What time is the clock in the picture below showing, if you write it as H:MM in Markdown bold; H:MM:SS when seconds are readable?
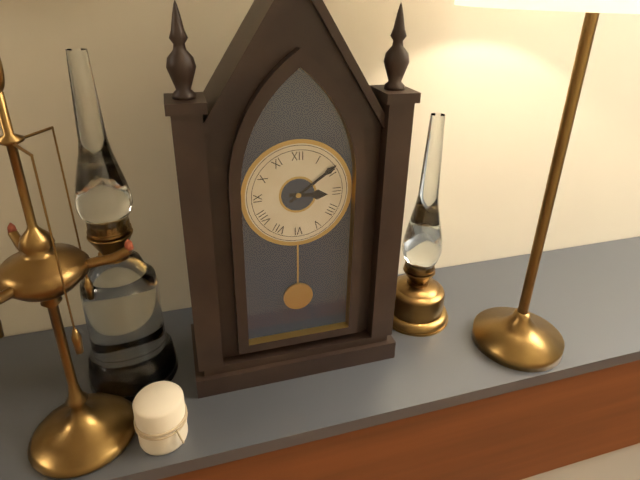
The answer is **3:09**
